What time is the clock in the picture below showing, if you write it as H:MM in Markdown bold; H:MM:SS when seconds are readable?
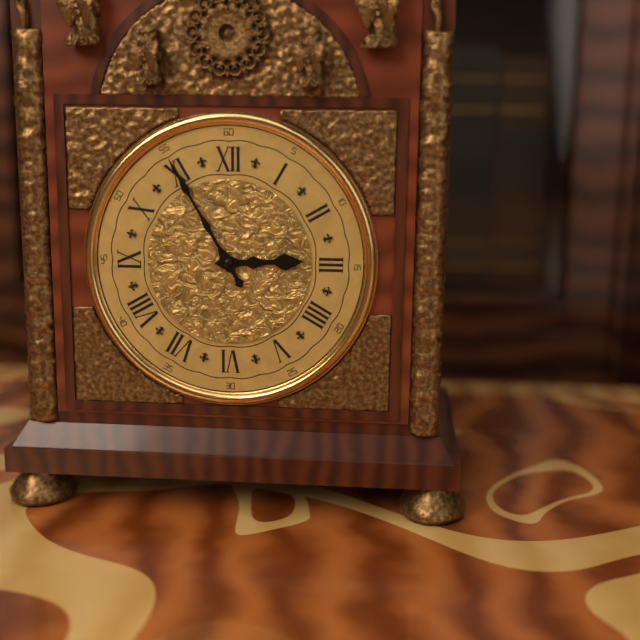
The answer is **2:55**
